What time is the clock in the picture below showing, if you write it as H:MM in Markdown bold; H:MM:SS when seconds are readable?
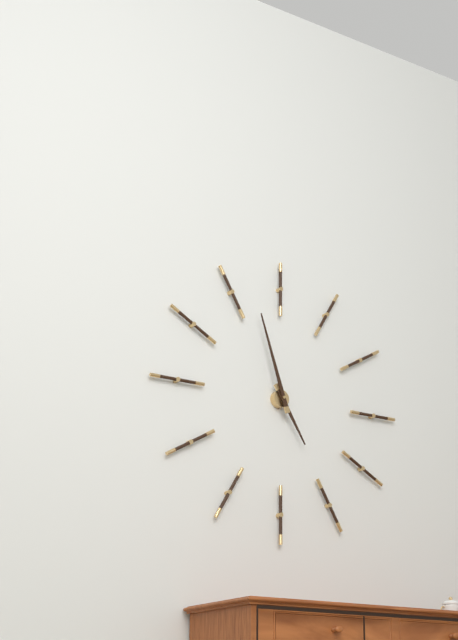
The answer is **4:57**
